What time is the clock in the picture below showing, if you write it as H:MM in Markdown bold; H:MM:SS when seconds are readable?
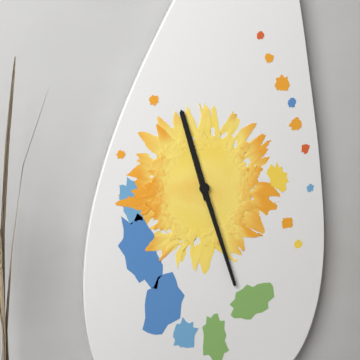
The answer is **11:27**
